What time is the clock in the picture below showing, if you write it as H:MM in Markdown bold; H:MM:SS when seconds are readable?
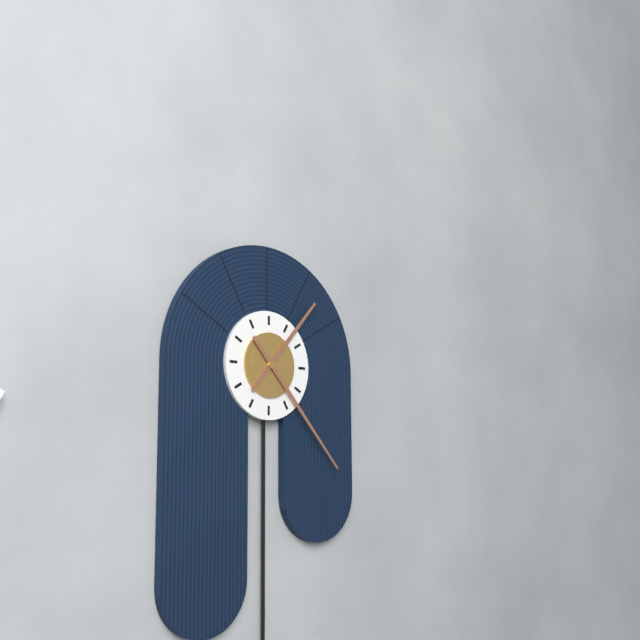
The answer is **1:23**
